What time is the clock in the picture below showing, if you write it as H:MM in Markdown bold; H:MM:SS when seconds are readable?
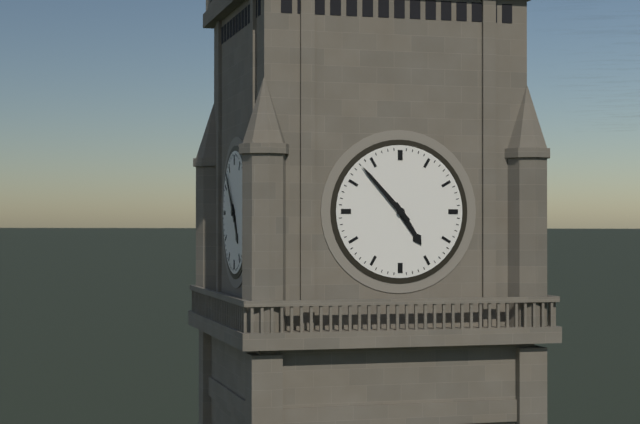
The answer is **4:53**
